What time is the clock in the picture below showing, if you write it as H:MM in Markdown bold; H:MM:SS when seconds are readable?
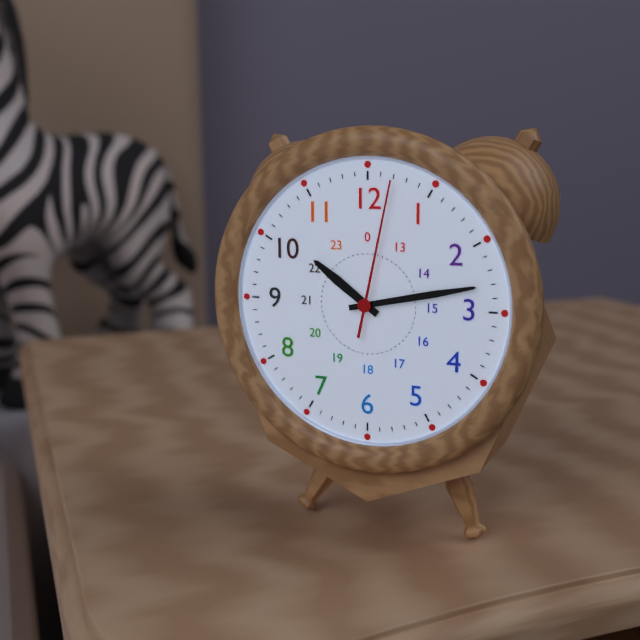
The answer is **10:13:02**
